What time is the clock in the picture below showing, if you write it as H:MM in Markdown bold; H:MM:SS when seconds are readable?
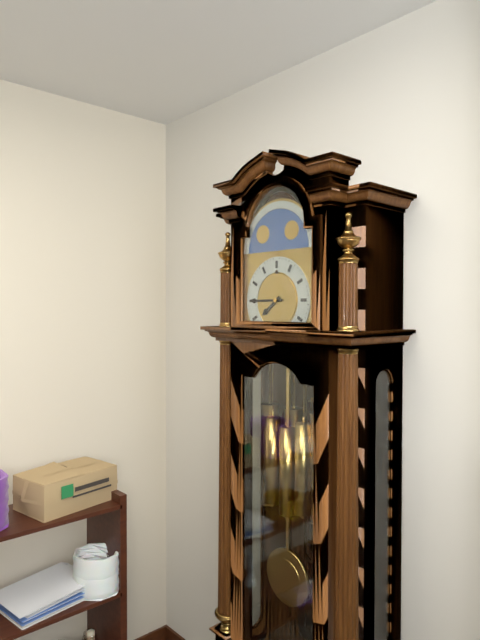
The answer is **7:45**
